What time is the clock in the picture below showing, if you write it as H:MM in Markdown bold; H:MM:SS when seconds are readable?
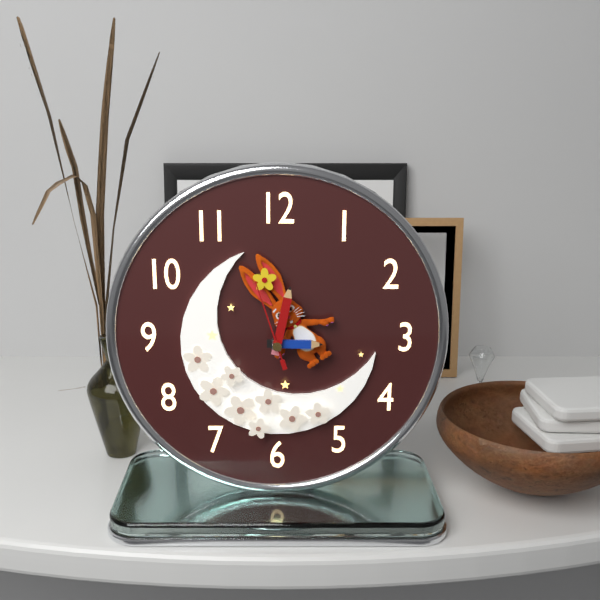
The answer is **3:02:57**
